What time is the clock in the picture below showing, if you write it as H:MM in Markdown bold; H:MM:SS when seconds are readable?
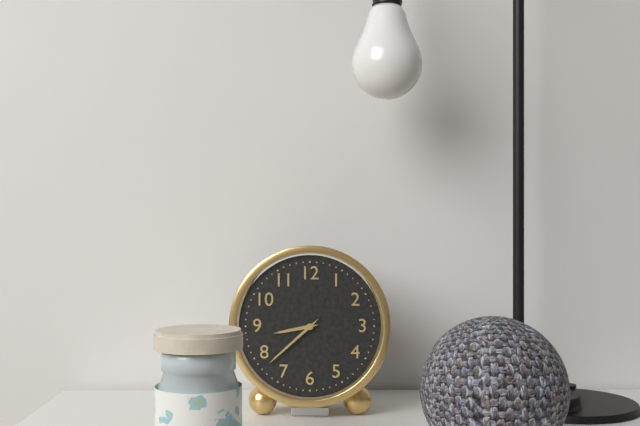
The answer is **8:38**
